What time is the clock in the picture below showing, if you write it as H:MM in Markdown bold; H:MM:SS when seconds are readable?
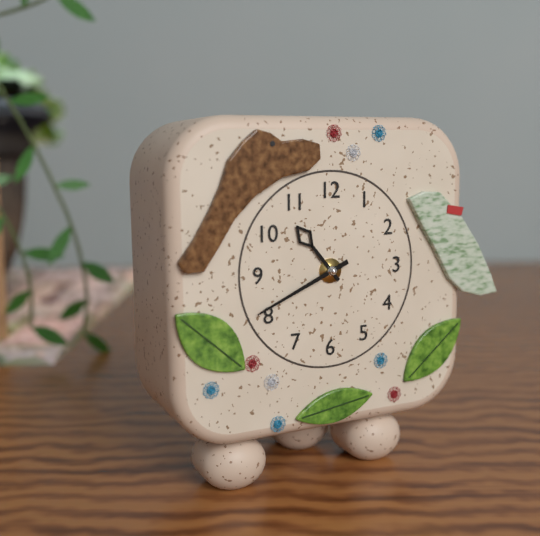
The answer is **10:41**
